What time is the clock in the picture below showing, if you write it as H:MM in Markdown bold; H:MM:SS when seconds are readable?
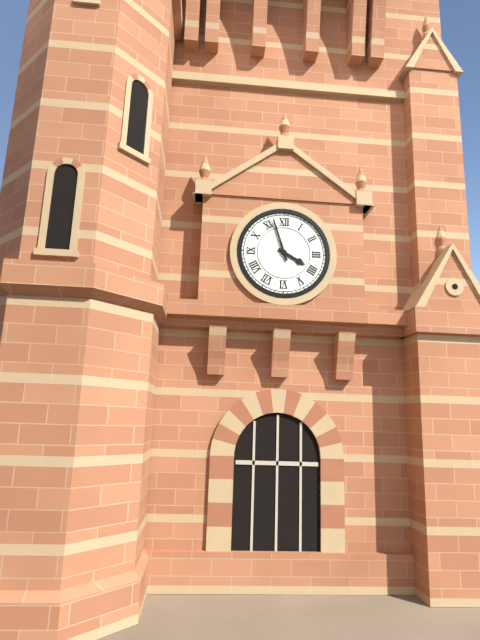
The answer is **3:57**
